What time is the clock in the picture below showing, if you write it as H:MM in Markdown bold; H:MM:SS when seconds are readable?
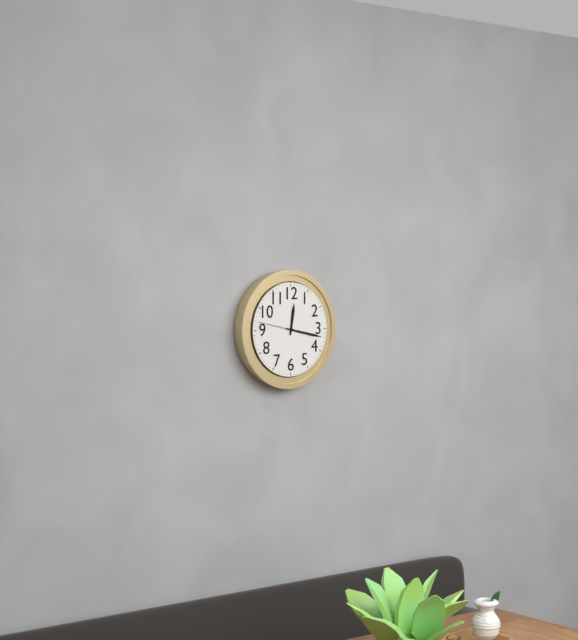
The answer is **12:17**
